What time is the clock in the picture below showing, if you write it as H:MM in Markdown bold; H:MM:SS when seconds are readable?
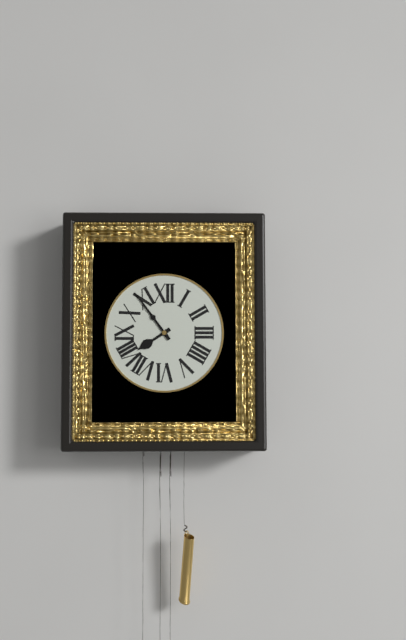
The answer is **7:54**
